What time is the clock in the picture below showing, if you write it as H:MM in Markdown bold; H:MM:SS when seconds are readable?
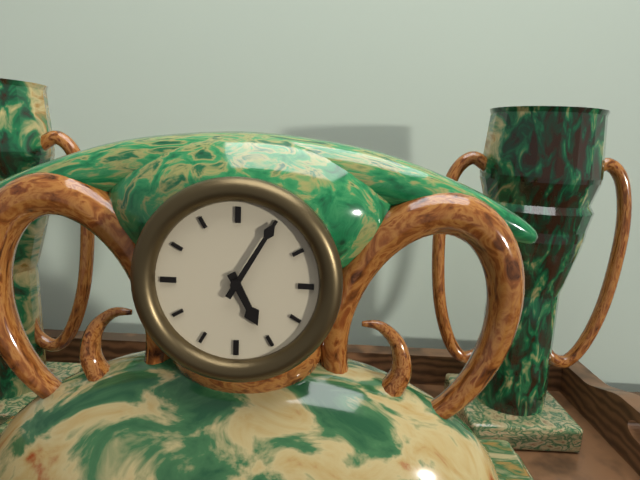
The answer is **5:05**
